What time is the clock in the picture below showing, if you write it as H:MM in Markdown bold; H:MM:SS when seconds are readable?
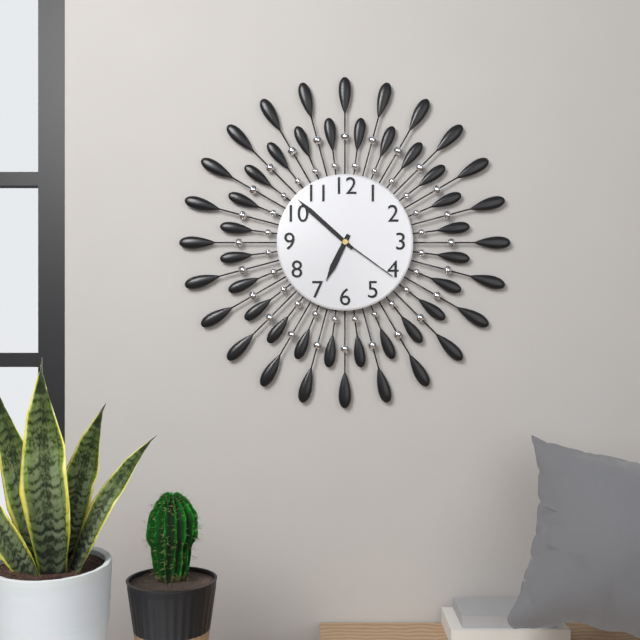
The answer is **6:52:21**
